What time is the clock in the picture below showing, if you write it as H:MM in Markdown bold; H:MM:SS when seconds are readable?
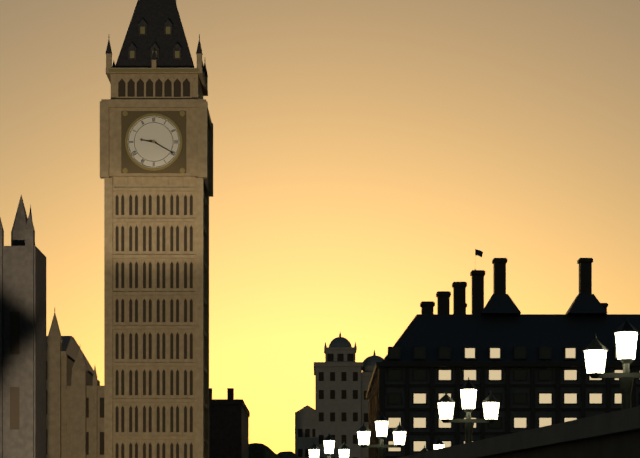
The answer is **9:20**
